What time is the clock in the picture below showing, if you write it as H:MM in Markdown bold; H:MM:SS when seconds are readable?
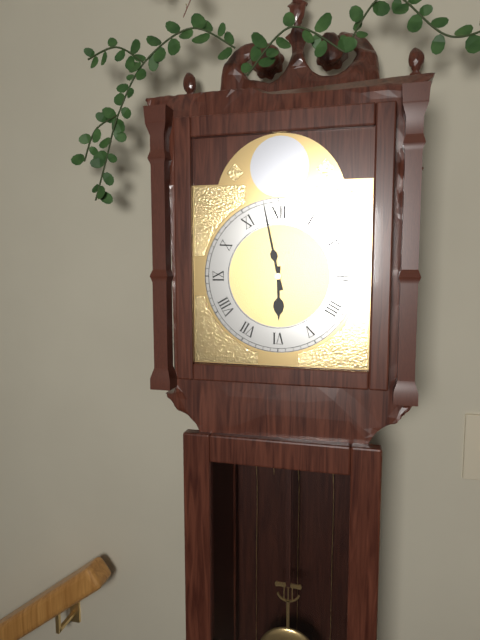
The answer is **5:58**
